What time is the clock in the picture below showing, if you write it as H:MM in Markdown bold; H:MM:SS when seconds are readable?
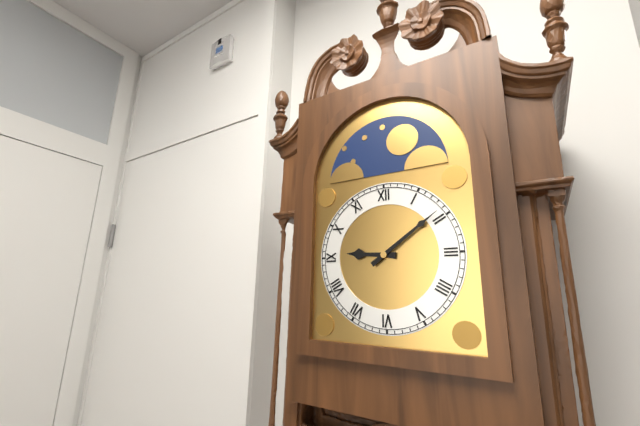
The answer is **9:09**
